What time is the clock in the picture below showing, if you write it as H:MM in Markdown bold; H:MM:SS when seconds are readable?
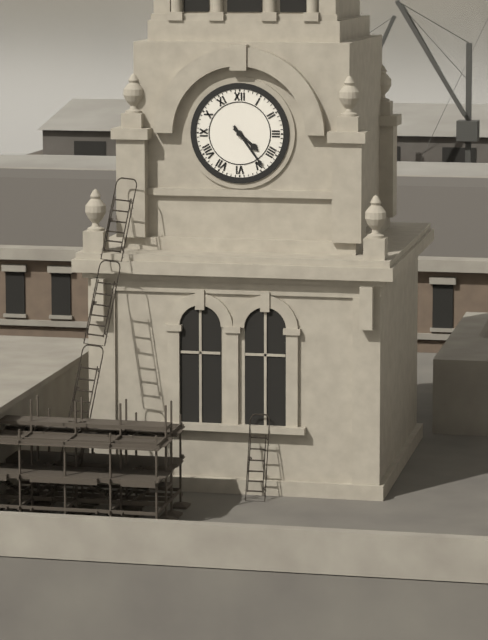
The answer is **4:24**
